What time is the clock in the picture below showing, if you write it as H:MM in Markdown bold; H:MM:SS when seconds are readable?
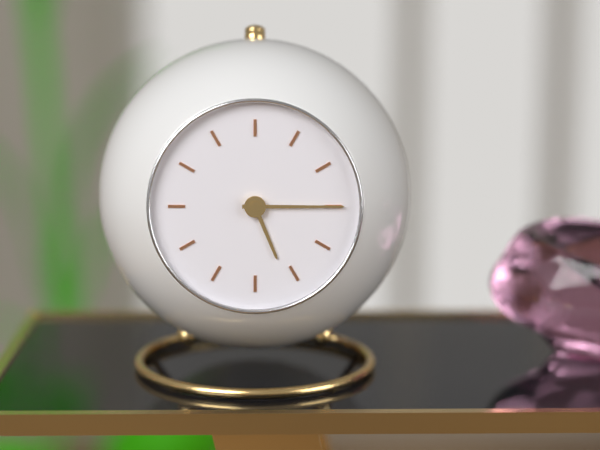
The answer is **5:15**
